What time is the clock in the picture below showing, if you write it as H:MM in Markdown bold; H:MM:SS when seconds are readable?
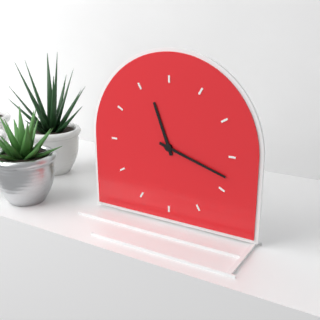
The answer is **11:18**
